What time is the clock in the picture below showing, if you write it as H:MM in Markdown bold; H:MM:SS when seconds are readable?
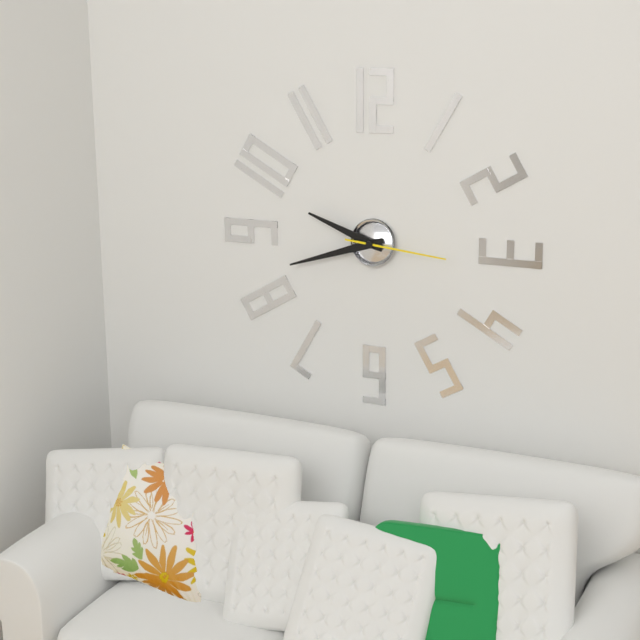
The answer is **9:42:16**
